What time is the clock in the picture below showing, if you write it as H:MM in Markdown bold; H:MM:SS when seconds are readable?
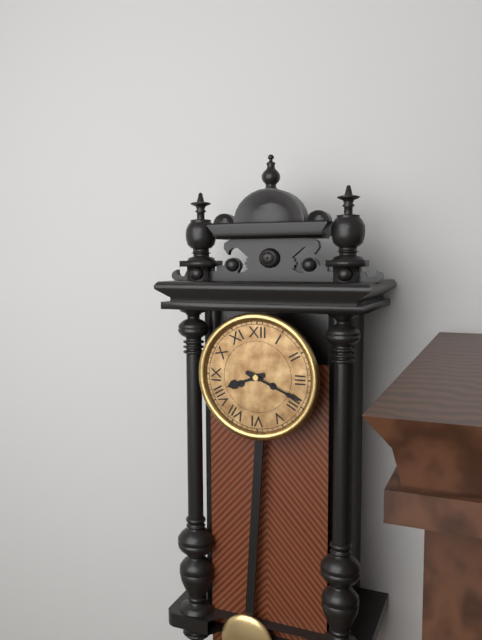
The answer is **8:19**
